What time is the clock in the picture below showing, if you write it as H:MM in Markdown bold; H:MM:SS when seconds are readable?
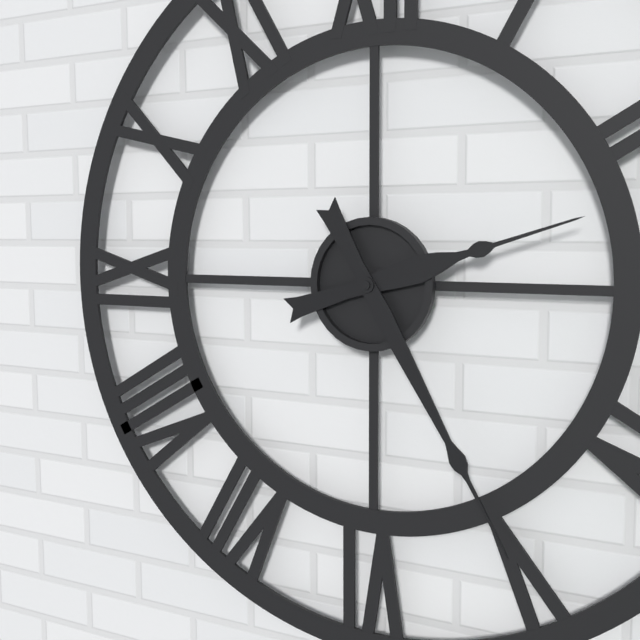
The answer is **2:25**
